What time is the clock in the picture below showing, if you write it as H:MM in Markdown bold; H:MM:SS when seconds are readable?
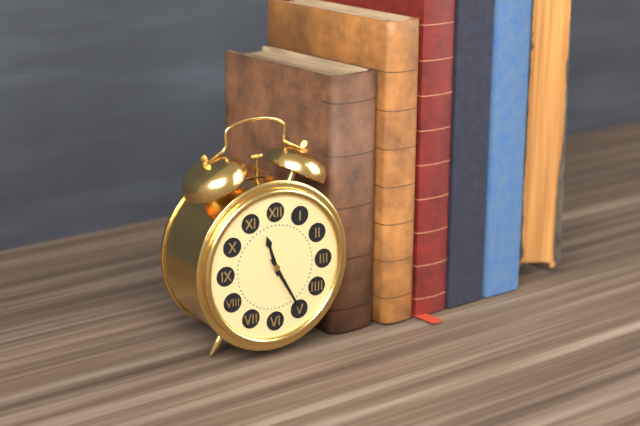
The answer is **11:25**
